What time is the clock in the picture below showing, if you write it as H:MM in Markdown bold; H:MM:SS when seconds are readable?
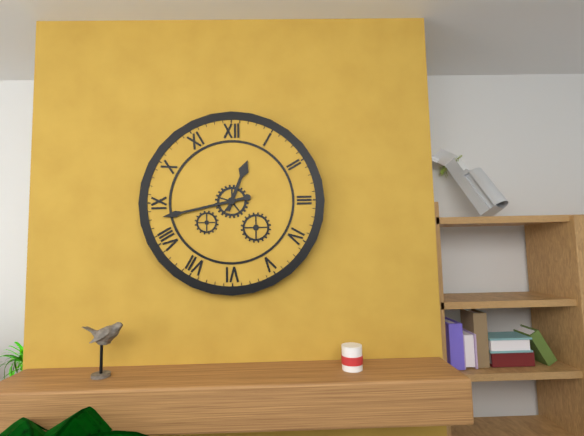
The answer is **12:43**
